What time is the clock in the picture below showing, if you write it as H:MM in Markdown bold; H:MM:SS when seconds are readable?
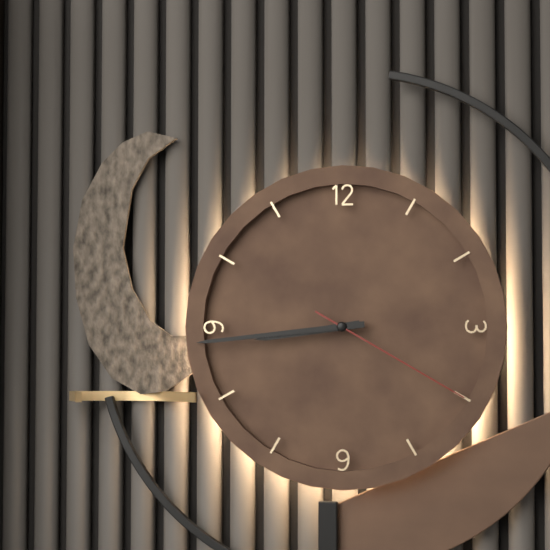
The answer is **8:44:20**
